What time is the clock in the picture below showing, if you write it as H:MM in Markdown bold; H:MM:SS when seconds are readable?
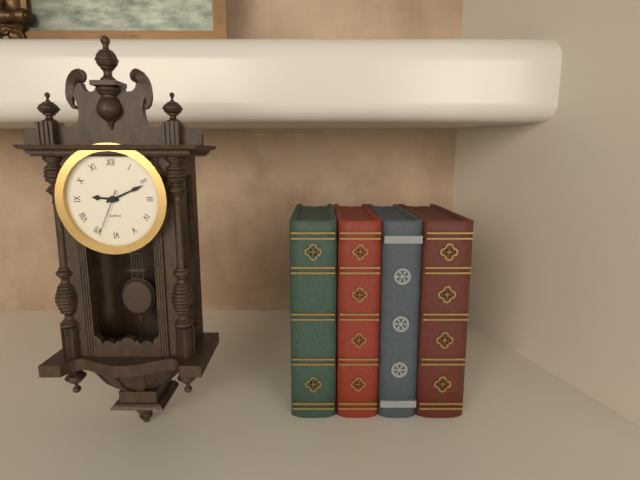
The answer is **9:11**
